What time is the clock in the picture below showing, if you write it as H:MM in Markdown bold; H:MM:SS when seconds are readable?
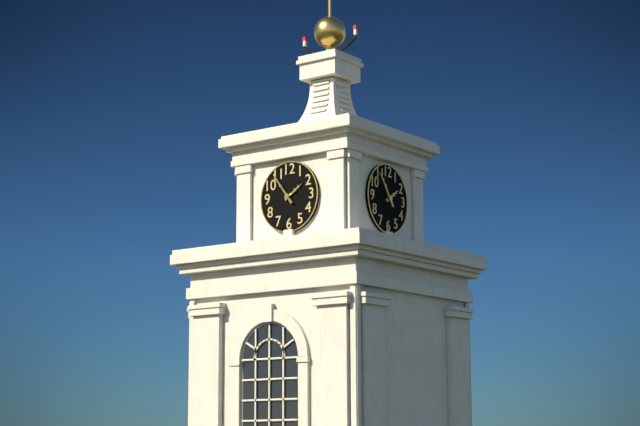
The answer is **1:54**
